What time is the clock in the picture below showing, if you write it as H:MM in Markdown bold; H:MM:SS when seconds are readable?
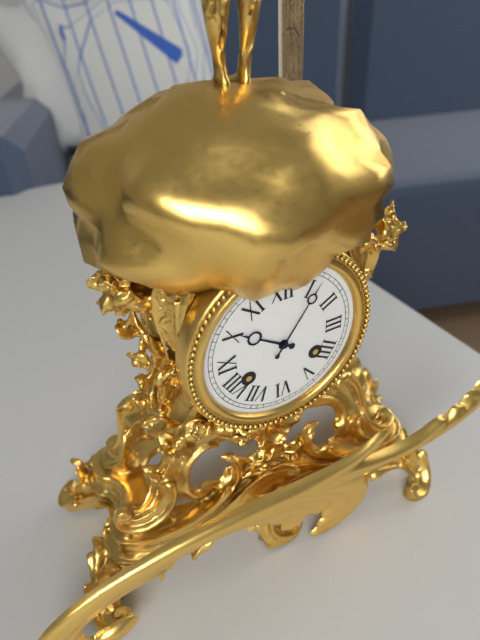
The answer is **10:06**
